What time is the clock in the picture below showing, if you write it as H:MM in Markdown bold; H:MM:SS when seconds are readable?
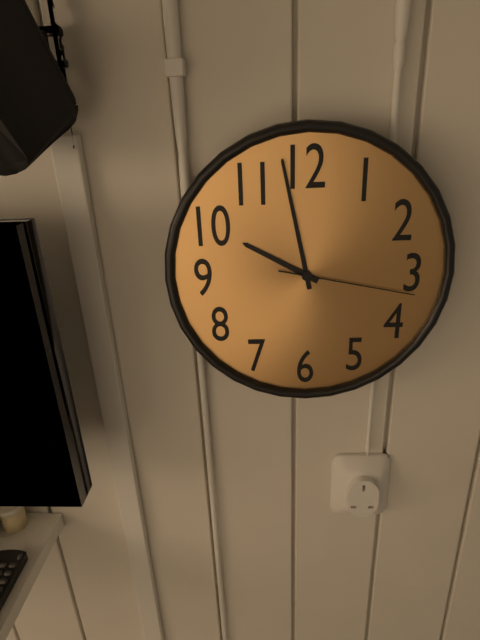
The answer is **9:58:17**
